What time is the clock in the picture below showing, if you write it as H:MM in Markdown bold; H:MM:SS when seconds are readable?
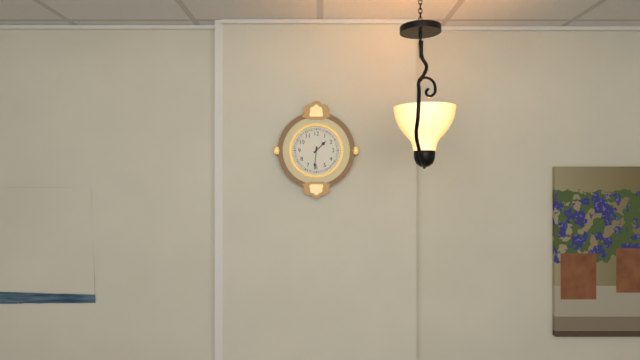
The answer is **1:31**
